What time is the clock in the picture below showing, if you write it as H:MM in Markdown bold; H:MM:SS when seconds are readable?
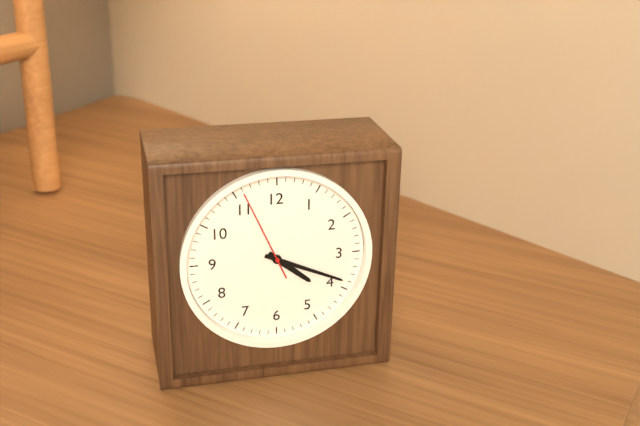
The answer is **4:19:56**
